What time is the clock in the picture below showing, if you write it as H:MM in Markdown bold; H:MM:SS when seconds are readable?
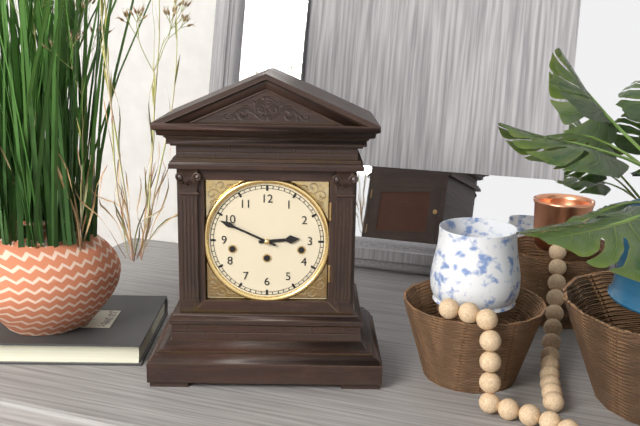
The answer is **2:49**
